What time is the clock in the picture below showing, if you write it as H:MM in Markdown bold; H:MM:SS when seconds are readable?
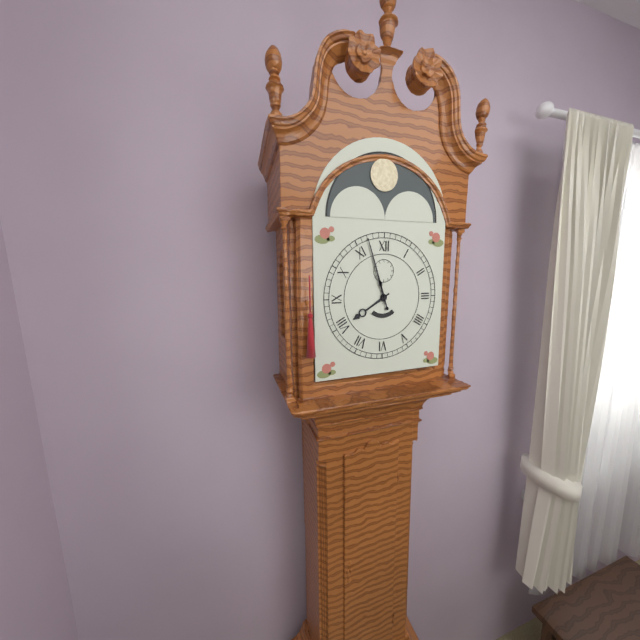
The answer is **7:57**
